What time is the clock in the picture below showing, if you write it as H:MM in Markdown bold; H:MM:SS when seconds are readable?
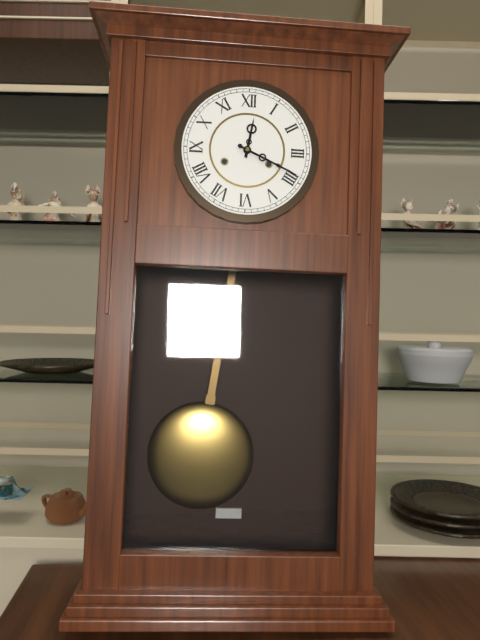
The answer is **12:19**
